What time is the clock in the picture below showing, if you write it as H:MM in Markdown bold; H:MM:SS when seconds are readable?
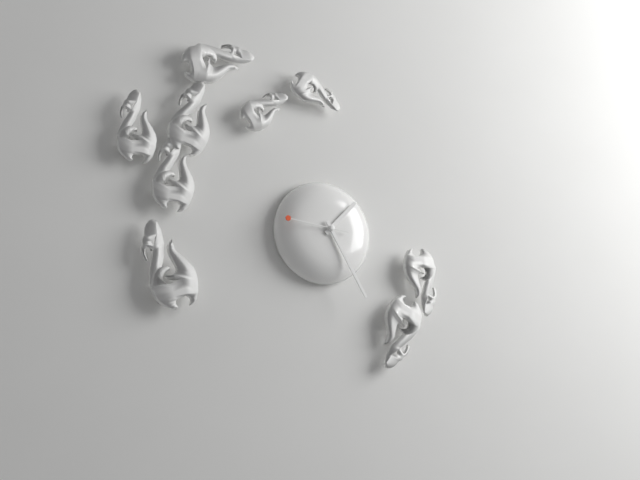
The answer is **1:25**
